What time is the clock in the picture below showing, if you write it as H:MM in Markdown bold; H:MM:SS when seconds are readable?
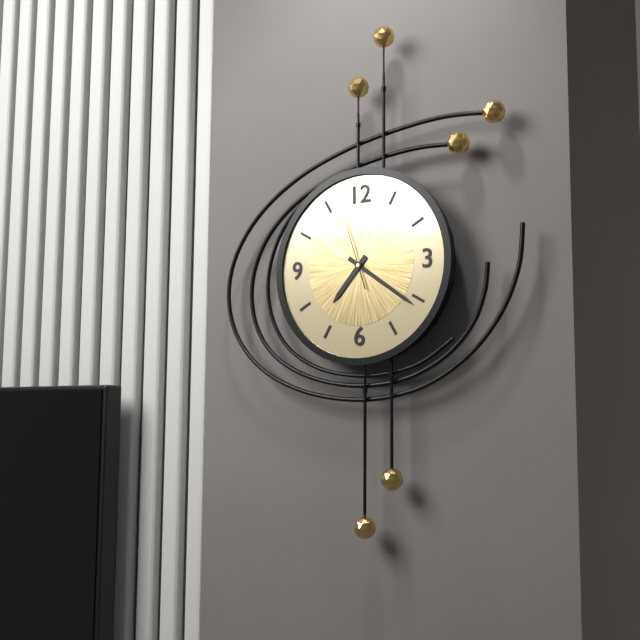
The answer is **7:21:57**
